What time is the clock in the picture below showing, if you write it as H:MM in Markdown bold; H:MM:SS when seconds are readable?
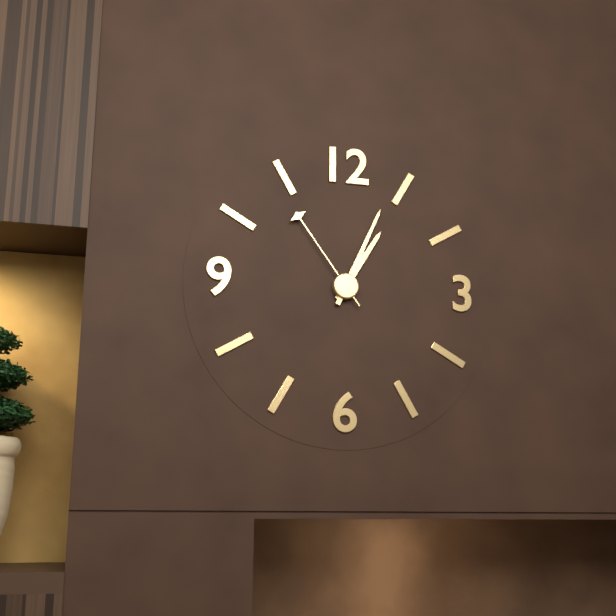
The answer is **1:04:54**
